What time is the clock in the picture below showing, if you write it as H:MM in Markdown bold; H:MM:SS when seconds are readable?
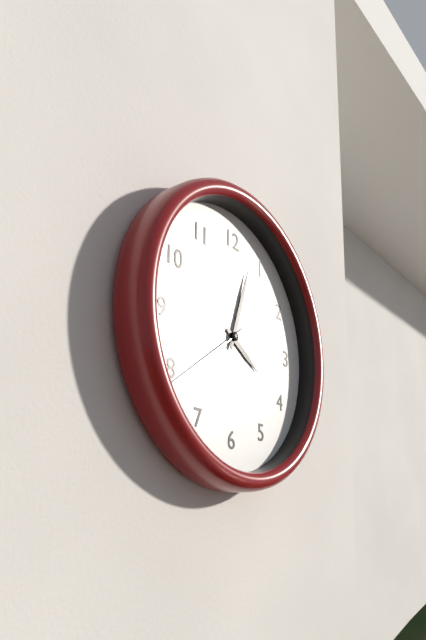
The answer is **4:03:39**
